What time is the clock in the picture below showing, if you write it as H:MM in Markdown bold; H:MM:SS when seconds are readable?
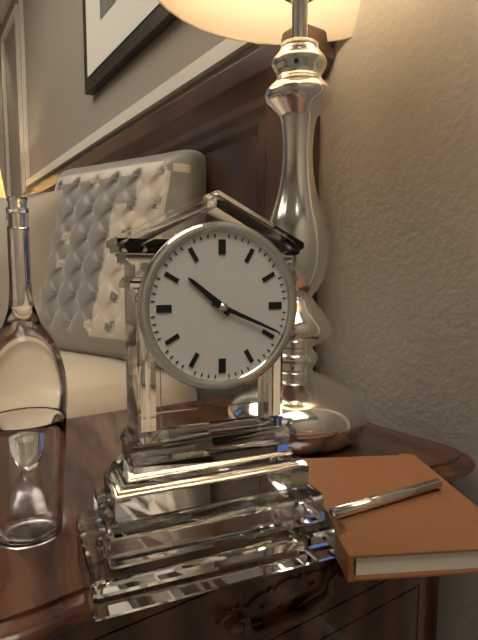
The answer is **10:19**
